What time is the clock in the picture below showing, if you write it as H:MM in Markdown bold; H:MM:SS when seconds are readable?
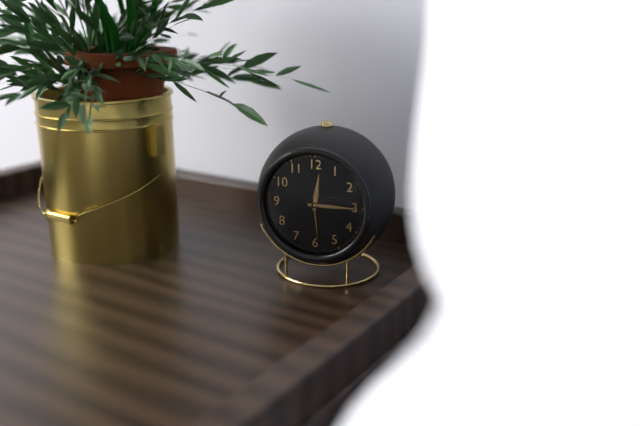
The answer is **12:15**
